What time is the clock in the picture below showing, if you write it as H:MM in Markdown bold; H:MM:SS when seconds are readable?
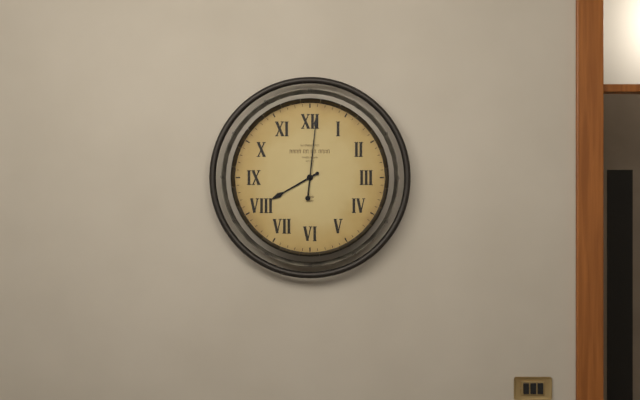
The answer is **8:01**
